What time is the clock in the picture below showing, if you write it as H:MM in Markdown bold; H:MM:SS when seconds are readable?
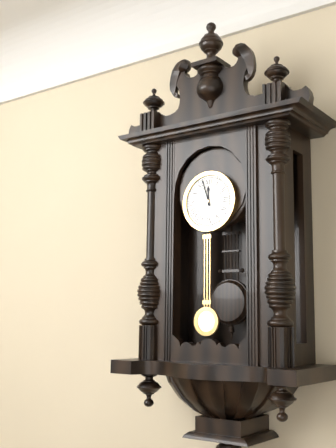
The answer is **11:57**
